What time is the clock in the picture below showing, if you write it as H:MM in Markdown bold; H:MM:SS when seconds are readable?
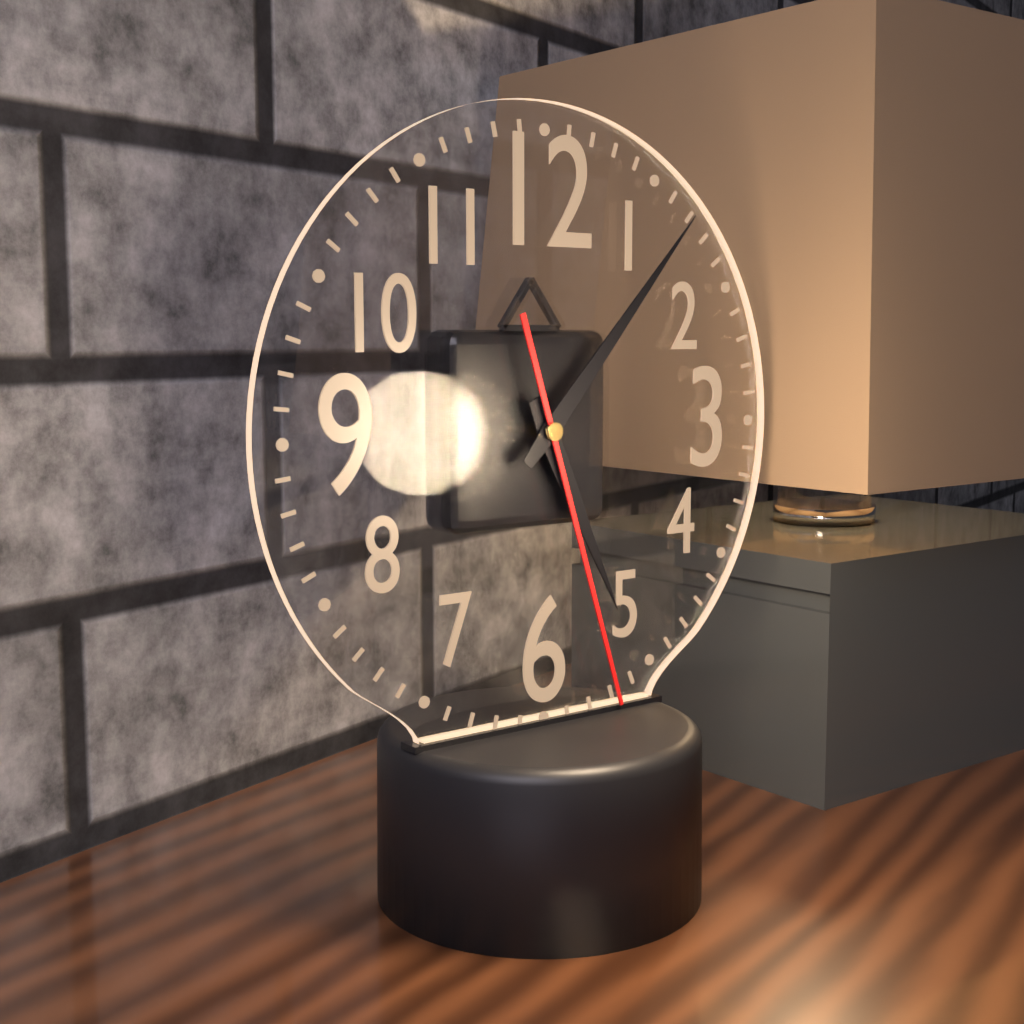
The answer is **5:07:27**
